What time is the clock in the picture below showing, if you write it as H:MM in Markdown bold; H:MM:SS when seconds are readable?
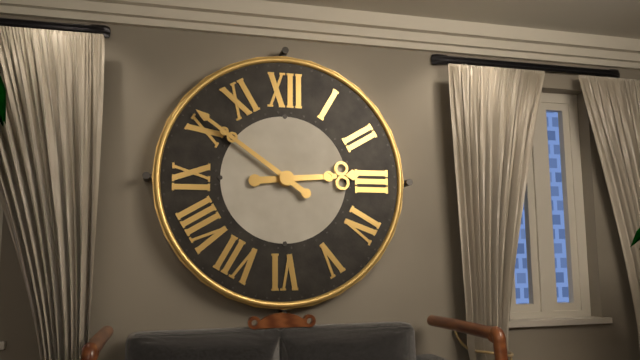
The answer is **2:51**
